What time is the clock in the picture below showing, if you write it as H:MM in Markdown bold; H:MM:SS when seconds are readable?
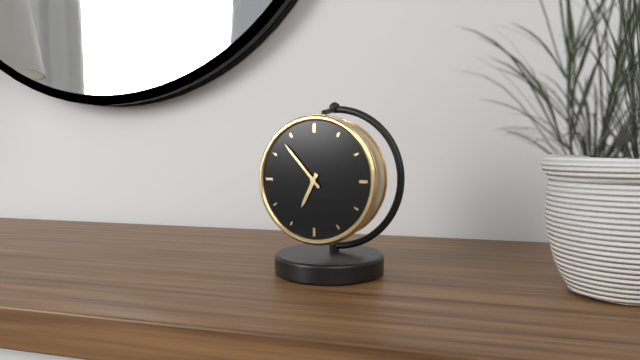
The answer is **6:53**
